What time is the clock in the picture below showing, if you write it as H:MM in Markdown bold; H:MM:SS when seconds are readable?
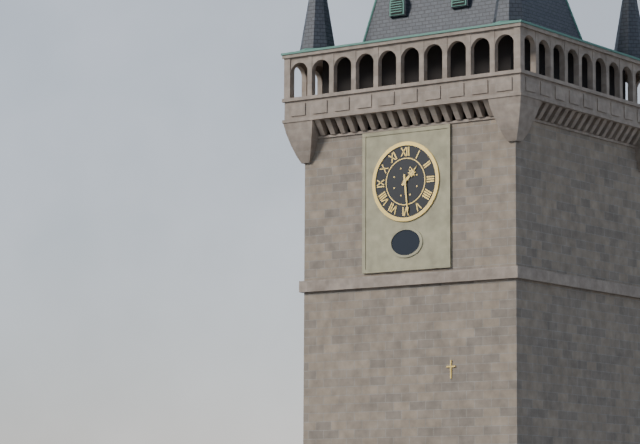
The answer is **1:29**
